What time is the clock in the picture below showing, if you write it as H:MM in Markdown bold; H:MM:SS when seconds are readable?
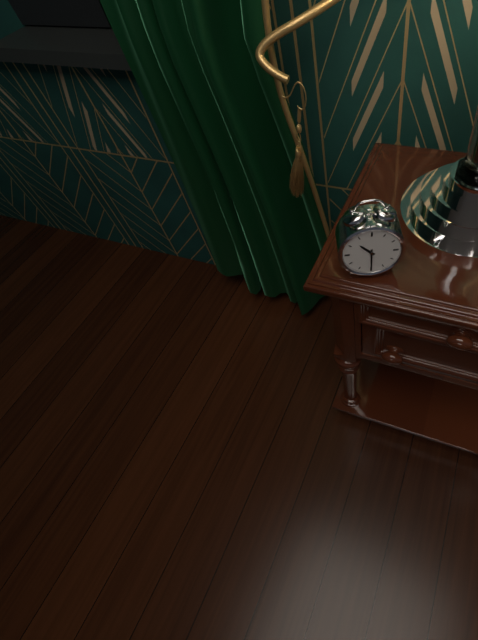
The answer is **10:30**
